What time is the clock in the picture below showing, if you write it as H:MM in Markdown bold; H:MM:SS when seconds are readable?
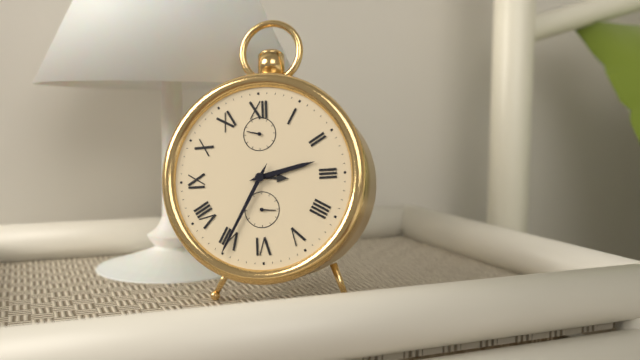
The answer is **2:35**
